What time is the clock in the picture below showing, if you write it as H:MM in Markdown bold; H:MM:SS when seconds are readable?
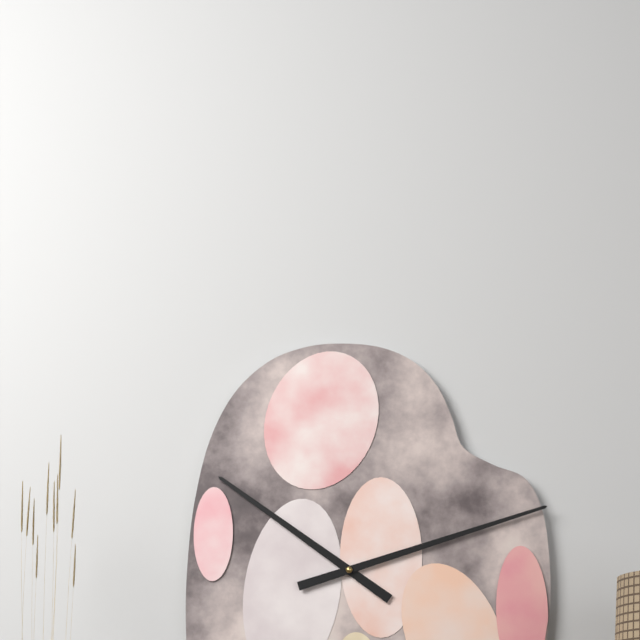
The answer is **10:12**
